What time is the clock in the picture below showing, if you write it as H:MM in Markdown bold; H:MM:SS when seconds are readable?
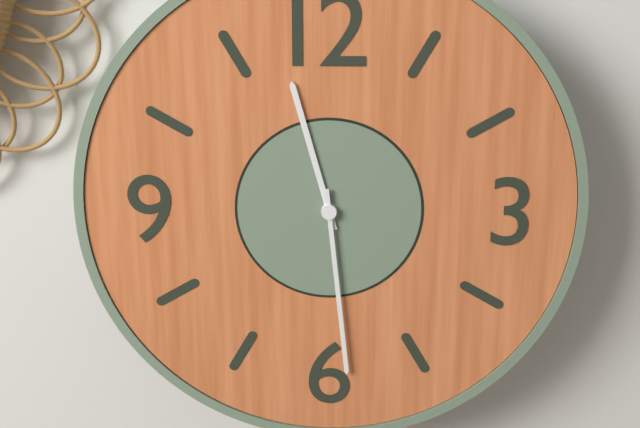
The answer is **11:29**
